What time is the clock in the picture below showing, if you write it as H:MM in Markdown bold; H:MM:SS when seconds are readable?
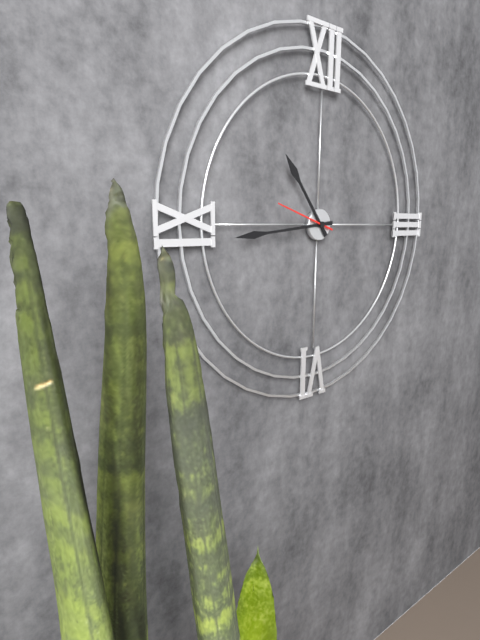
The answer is **10:44:48**
